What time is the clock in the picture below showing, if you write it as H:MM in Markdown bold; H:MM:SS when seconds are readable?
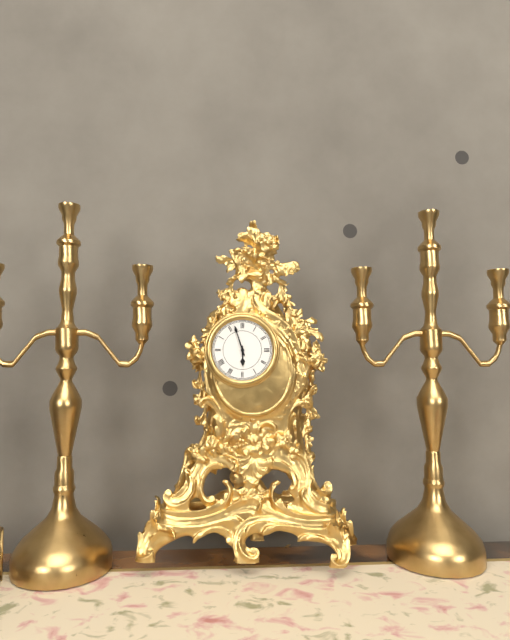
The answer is **5:57**
